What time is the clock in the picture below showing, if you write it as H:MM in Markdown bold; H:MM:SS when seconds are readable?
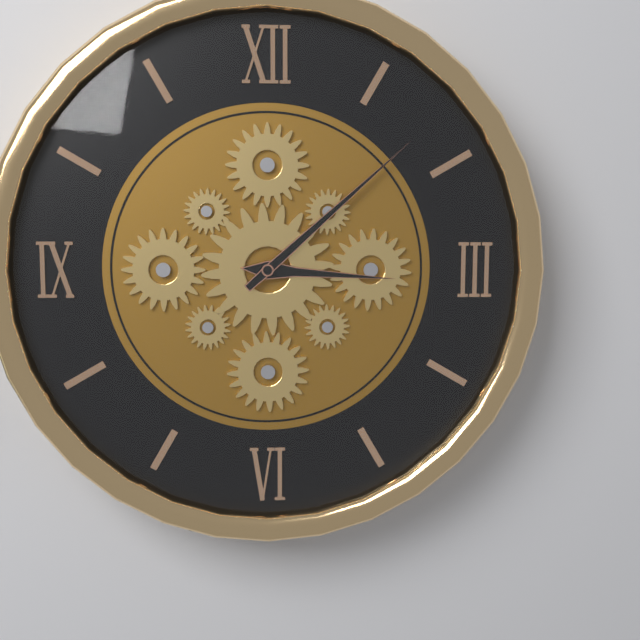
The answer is **3:08**
